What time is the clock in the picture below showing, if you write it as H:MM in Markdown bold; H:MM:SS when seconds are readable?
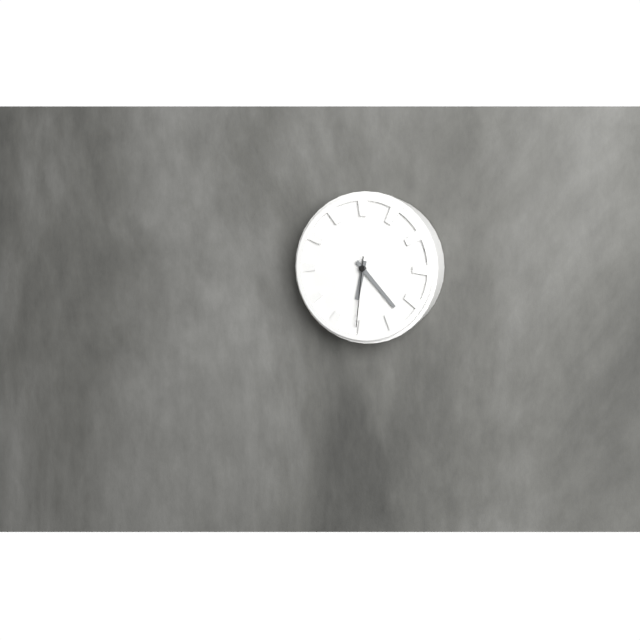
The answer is **6:23:31**
